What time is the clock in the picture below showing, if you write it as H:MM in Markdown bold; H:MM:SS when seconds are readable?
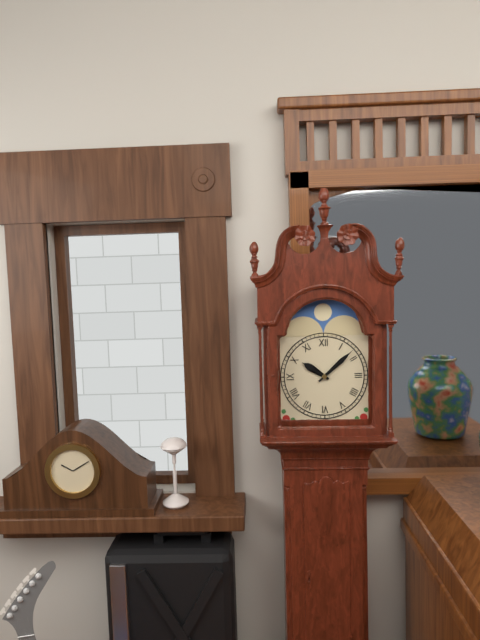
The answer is **10:08**
